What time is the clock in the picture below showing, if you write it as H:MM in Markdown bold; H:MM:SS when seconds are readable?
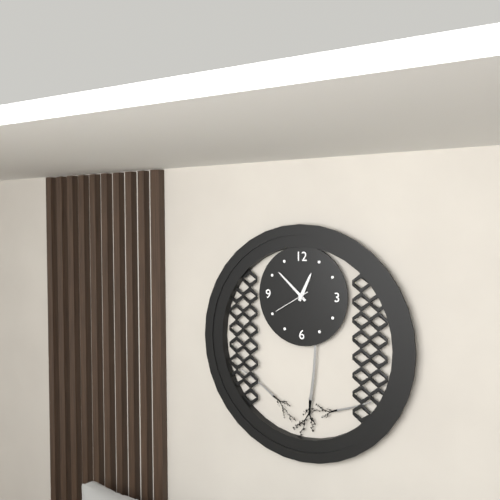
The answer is **12:52**
